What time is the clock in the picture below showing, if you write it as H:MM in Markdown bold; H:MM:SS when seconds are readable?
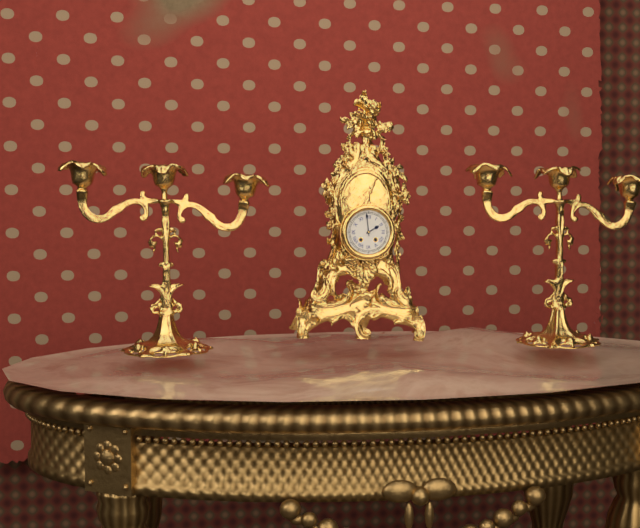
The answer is **1:59**
